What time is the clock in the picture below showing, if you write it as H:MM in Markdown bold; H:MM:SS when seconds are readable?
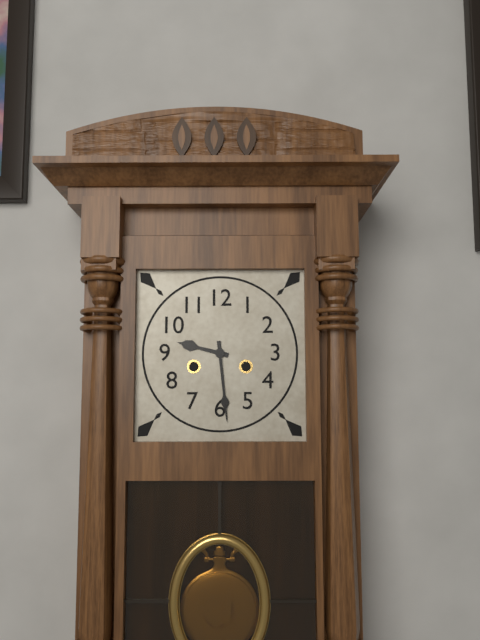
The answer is **9:29**
